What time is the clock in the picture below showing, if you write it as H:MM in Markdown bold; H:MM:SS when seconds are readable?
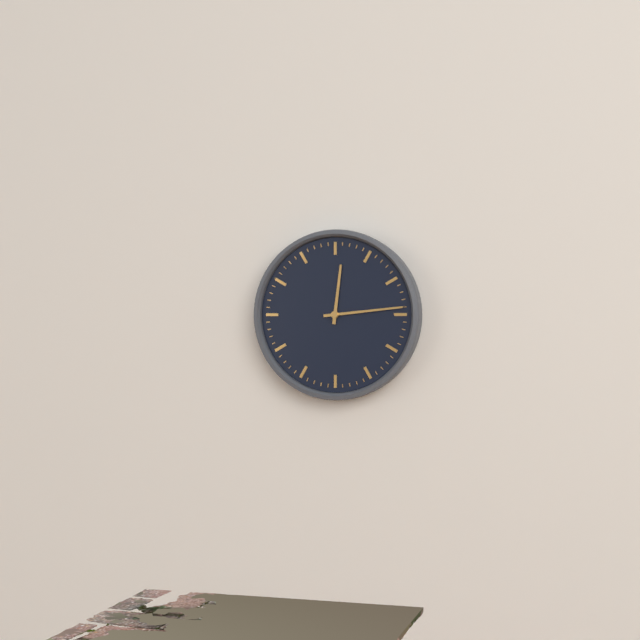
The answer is **12:14**
